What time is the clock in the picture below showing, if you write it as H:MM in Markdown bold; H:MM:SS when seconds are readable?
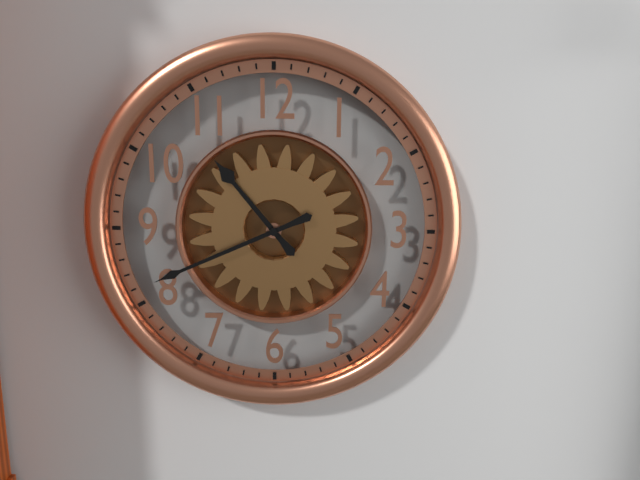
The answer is **10:41**
